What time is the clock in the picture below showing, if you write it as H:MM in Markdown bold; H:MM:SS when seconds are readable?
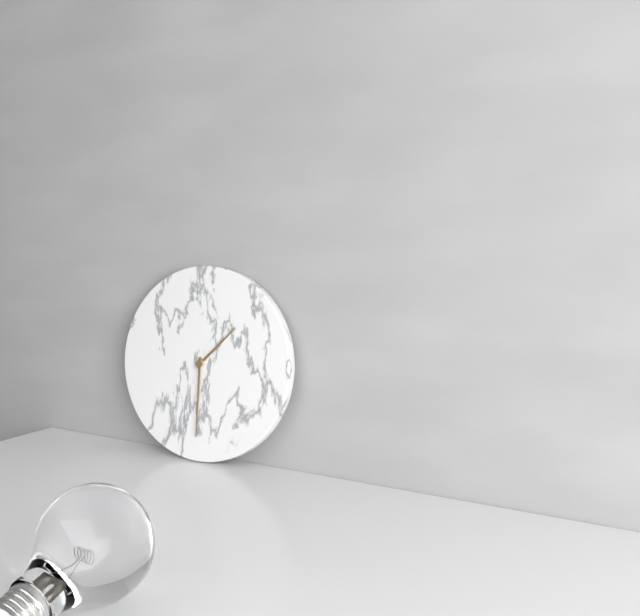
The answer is **1:30**
